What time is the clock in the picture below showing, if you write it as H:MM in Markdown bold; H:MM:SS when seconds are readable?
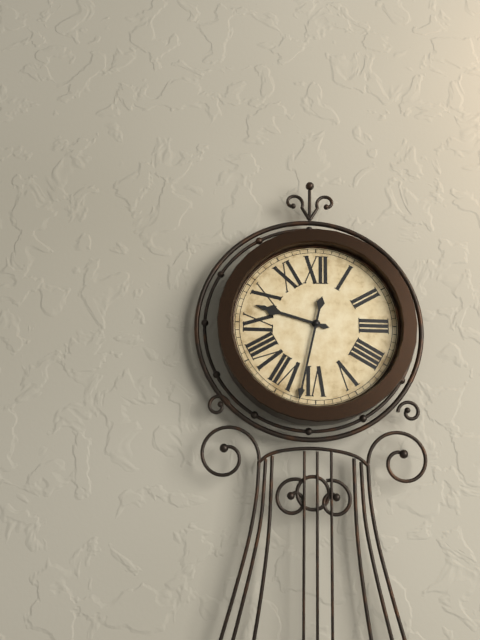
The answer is **9:32**
